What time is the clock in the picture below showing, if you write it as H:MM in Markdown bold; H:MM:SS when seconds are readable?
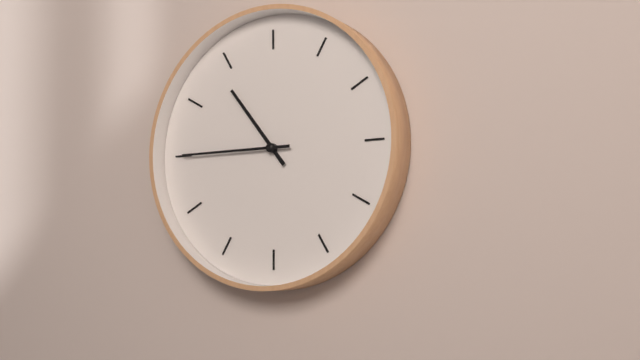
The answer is **10:45**
